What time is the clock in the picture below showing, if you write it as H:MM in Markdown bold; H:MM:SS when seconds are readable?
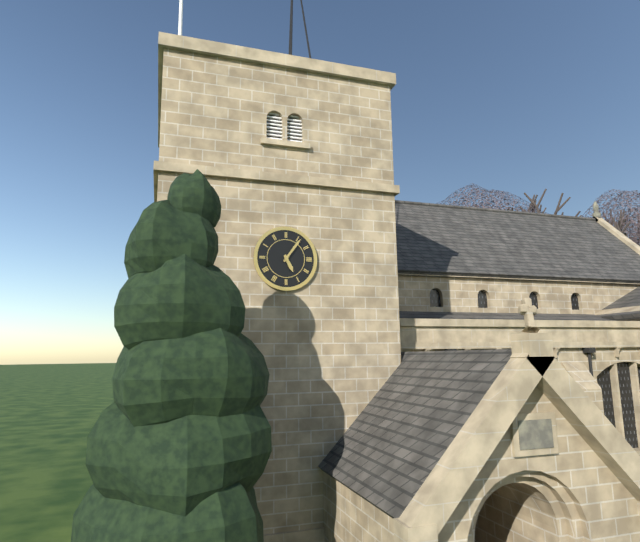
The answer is **5:06**
